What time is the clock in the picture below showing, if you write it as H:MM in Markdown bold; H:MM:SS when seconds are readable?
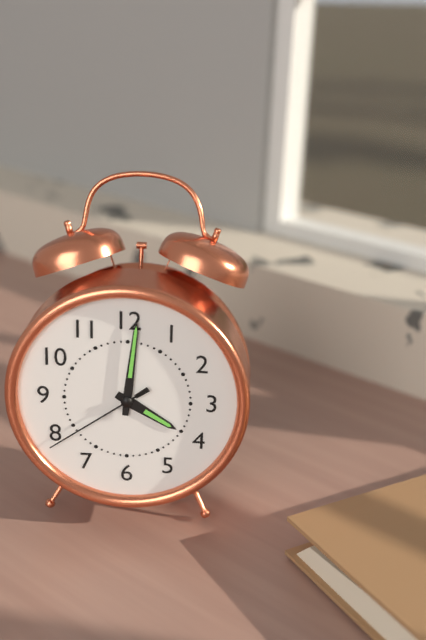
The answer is **4:01:39**
